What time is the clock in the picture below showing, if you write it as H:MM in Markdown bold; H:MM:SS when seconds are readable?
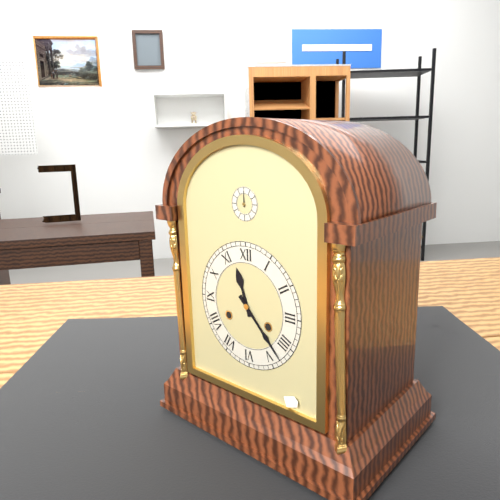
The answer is **11:23**
